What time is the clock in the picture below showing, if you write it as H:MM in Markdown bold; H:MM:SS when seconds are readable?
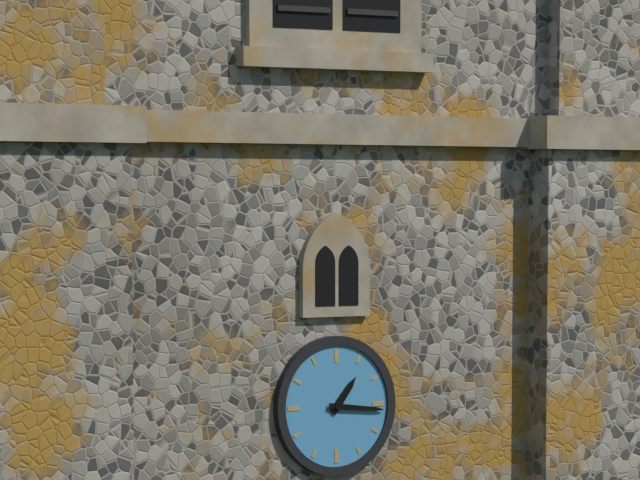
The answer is **1:16**
